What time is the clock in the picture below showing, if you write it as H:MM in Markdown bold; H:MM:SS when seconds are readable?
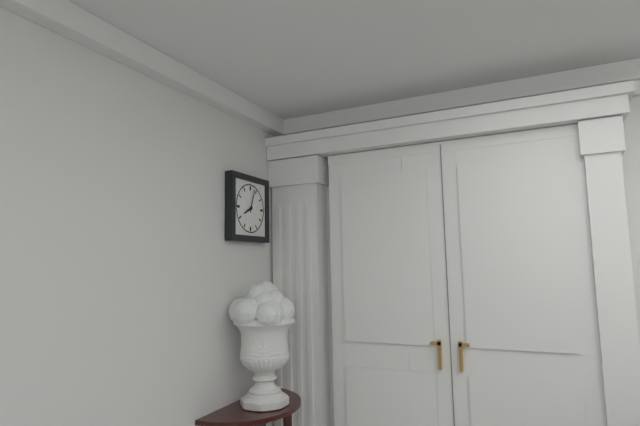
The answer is **8:03**
